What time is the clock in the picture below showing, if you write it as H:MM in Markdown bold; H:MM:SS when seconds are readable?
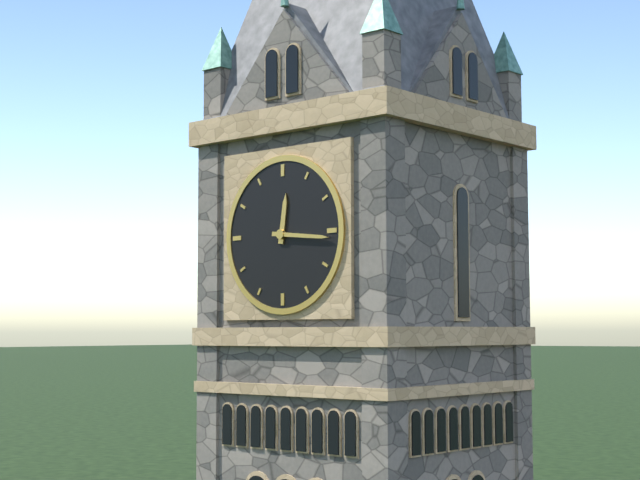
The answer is **12:16**
